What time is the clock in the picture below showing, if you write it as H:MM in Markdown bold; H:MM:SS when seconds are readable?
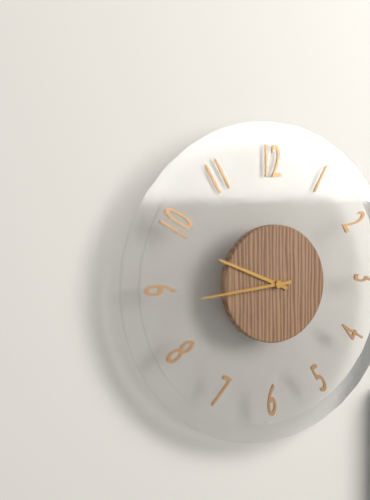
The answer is **9:44**
